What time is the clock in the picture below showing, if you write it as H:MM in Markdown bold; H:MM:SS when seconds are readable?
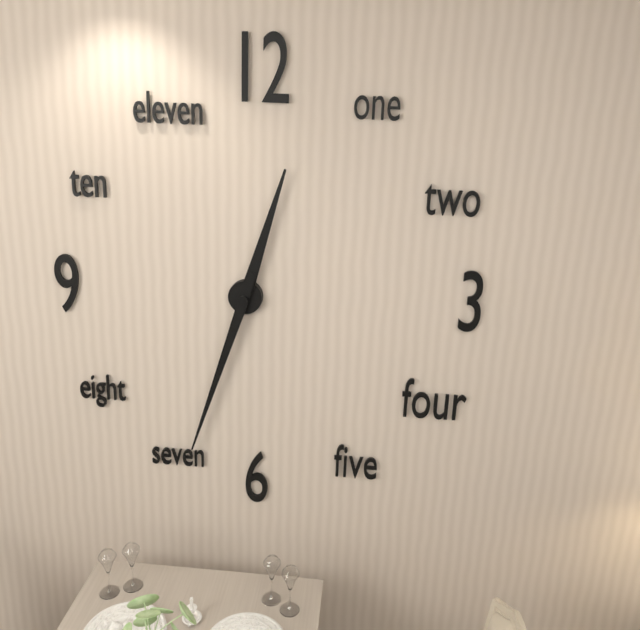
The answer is **12:33**
